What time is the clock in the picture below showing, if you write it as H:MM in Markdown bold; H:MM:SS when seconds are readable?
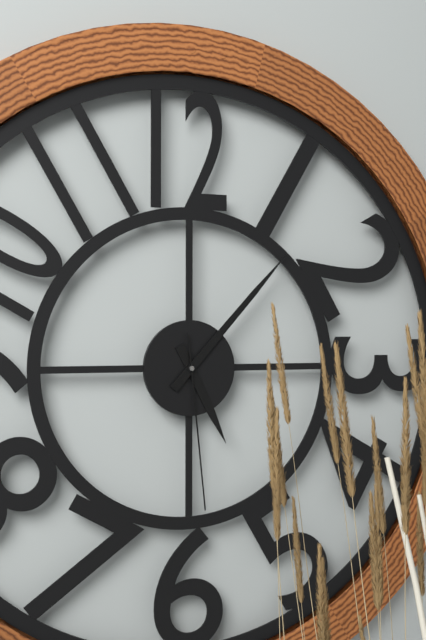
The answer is **5:07:29**
